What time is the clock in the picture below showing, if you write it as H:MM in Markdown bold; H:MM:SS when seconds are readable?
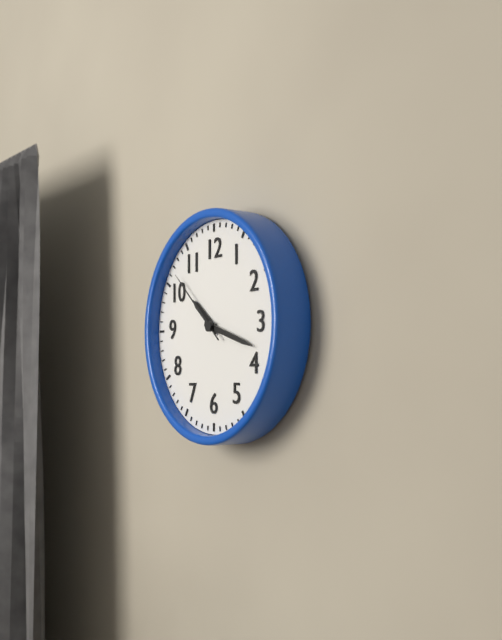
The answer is **10:18:52**
